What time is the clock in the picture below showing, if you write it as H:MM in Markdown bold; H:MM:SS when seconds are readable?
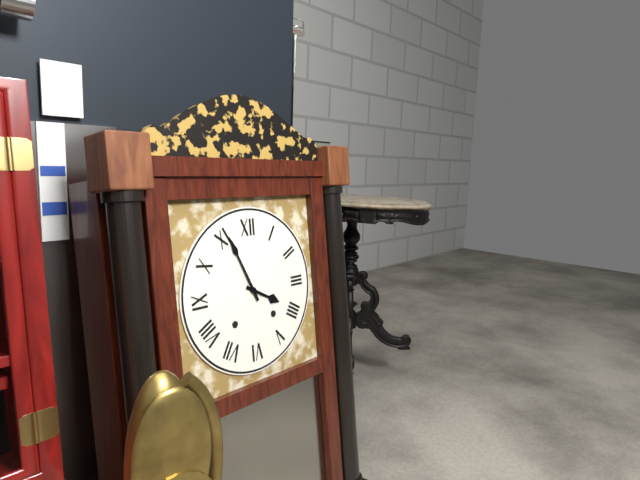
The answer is **3:56**
